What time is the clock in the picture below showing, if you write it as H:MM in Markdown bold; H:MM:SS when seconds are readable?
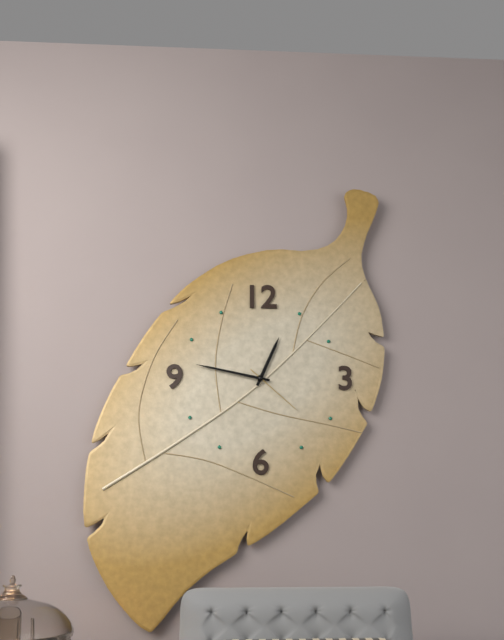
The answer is **12:47:22**
